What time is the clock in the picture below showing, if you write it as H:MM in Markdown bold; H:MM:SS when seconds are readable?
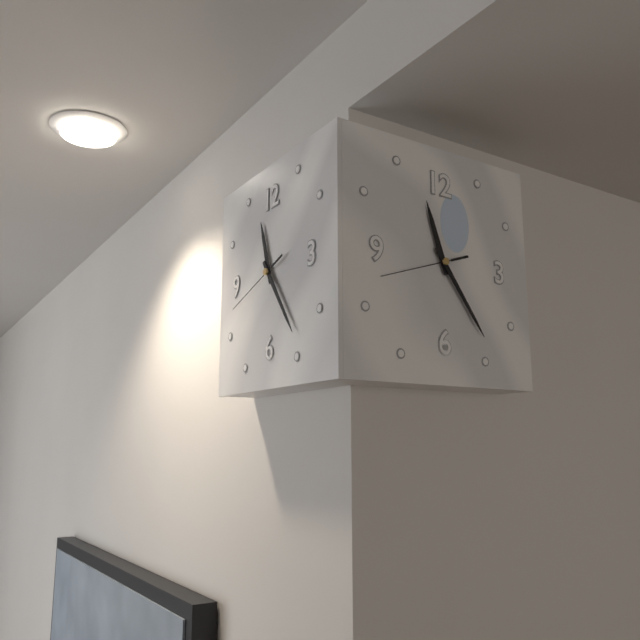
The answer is **11:24:42**
